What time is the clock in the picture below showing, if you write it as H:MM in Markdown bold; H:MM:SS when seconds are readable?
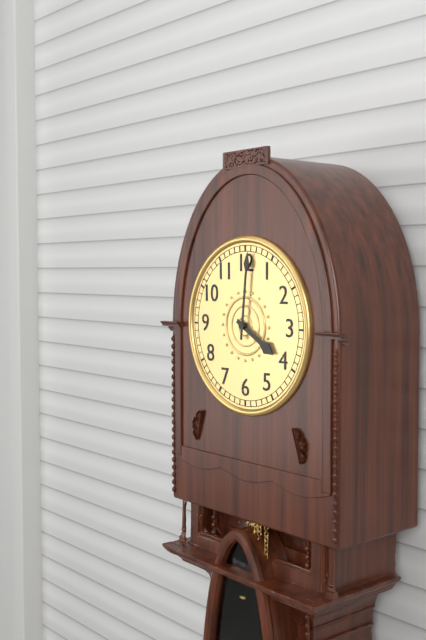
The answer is **4:01**
